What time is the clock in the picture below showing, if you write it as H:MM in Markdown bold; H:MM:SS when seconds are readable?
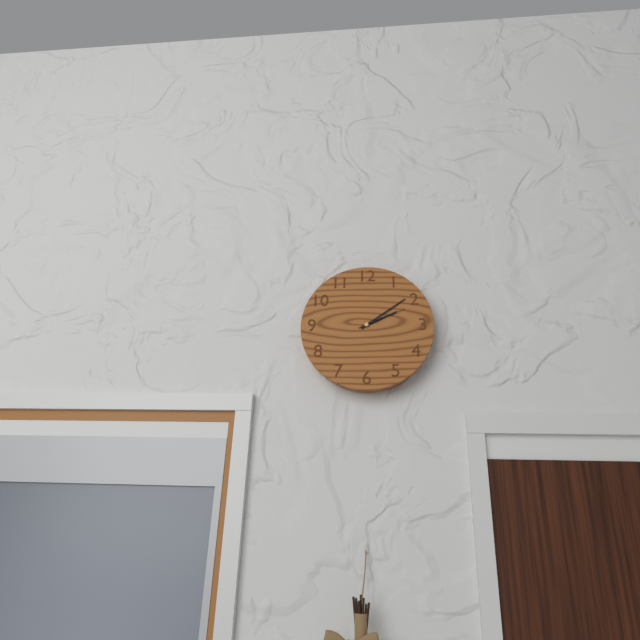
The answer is **2:09:11**
